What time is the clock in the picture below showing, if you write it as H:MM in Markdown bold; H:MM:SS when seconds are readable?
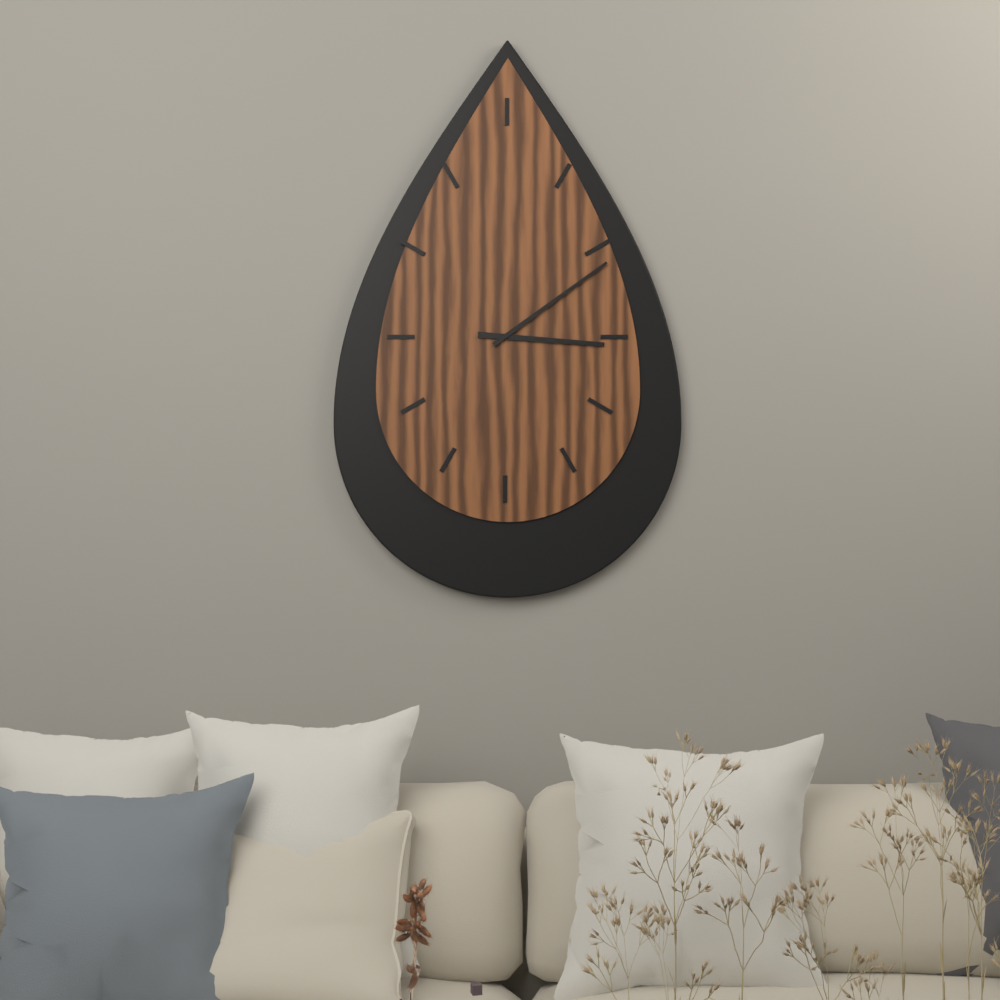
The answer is **3:09**
